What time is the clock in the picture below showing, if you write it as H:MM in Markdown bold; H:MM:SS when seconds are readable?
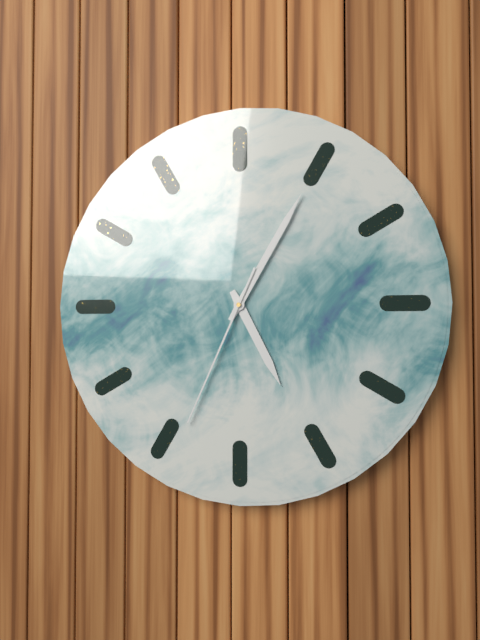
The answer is **5:05:34**
